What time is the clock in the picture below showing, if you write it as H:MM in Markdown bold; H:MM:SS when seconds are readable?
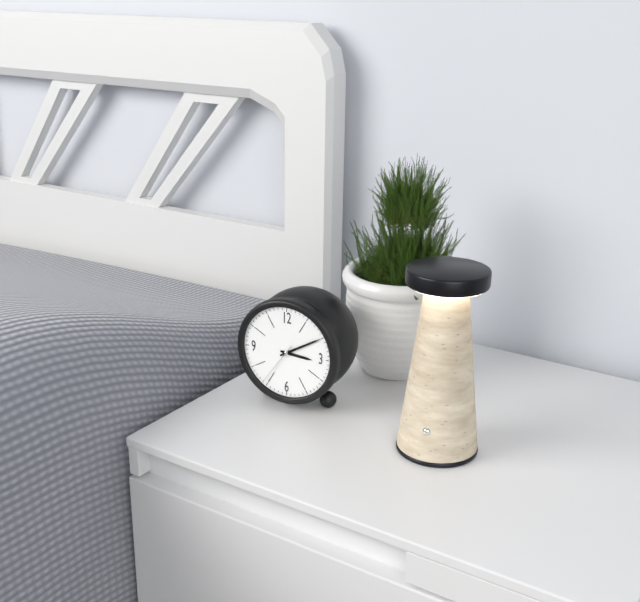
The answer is **3:10**
